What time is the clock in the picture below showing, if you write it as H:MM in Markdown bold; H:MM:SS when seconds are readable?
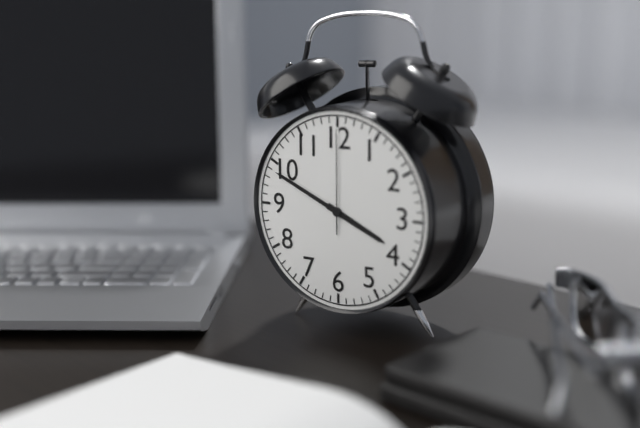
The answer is **3:49:00**
